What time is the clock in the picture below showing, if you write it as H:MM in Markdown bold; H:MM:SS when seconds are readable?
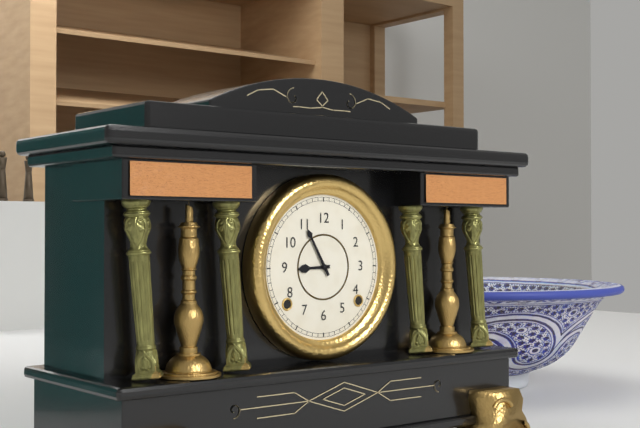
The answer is **8:55**
